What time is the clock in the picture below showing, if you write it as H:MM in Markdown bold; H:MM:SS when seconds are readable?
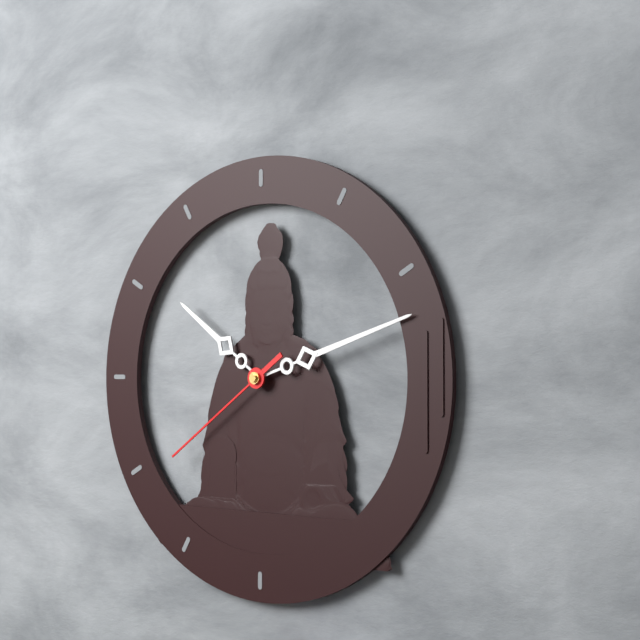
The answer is **10:12:39**
